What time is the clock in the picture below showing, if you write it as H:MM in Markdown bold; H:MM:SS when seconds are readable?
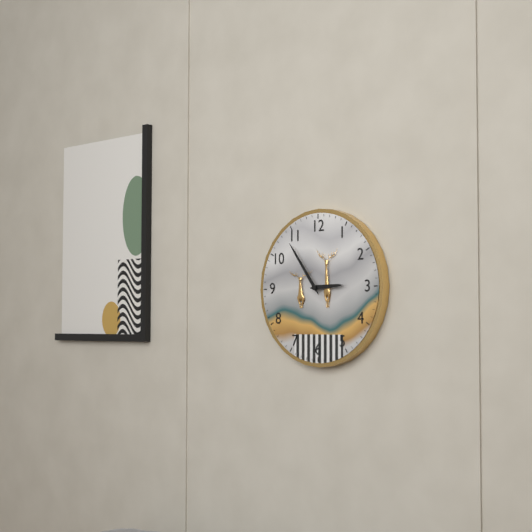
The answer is **2:54**
